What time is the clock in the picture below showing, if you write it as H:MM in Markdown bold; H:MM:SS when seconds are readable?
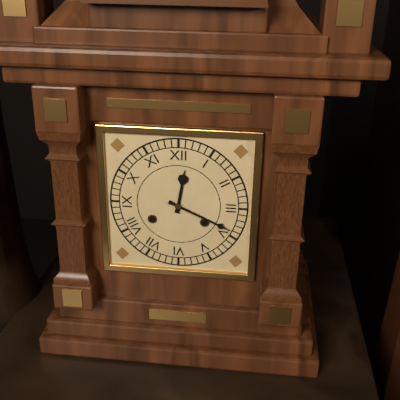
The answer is **12:19**
